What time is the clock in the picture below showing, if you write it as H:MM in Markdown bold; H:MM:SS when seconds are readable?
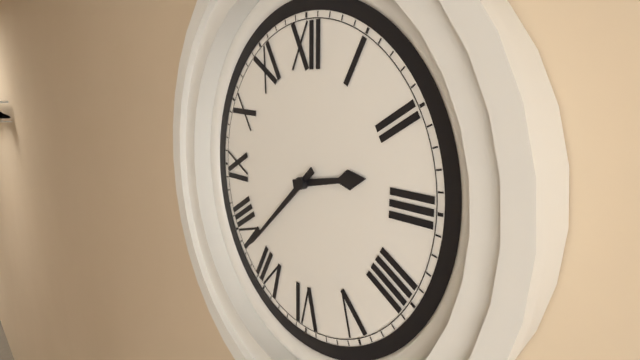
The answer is **2:38**
